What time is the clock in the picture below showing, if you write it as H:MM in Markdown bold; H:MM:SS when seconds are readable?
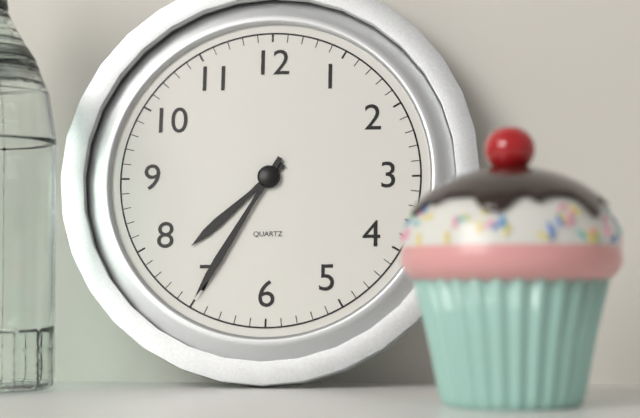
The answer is **7:35**
